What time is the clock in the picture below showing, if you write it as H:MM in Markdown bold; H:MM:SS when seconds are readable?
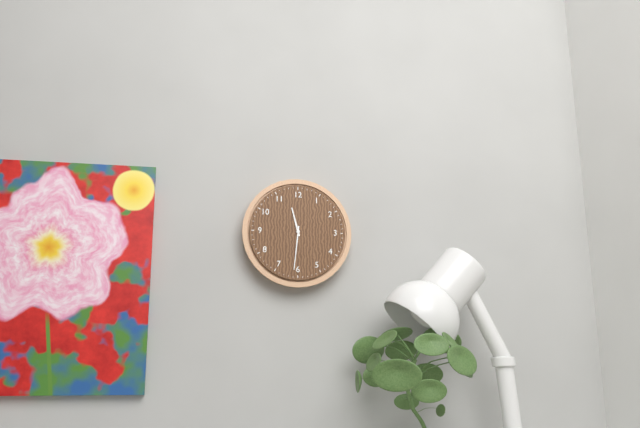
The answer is **11:31**
